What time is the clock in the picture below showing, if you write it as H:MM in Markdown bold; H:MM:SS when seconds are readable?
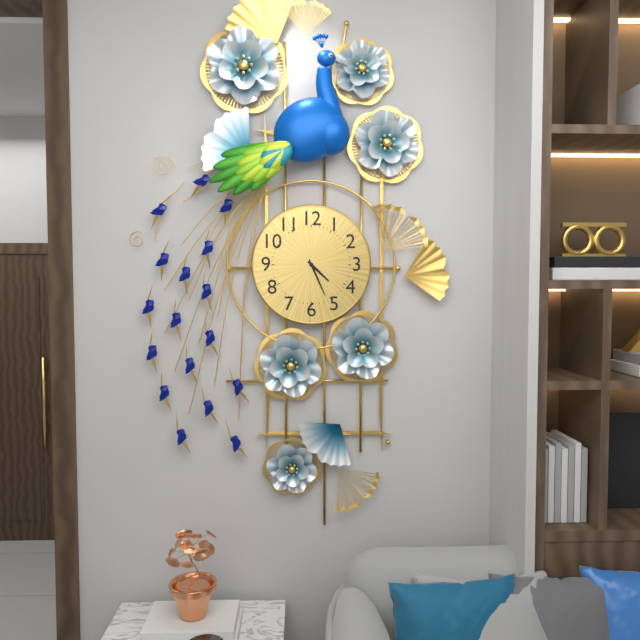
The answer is **4:26**
